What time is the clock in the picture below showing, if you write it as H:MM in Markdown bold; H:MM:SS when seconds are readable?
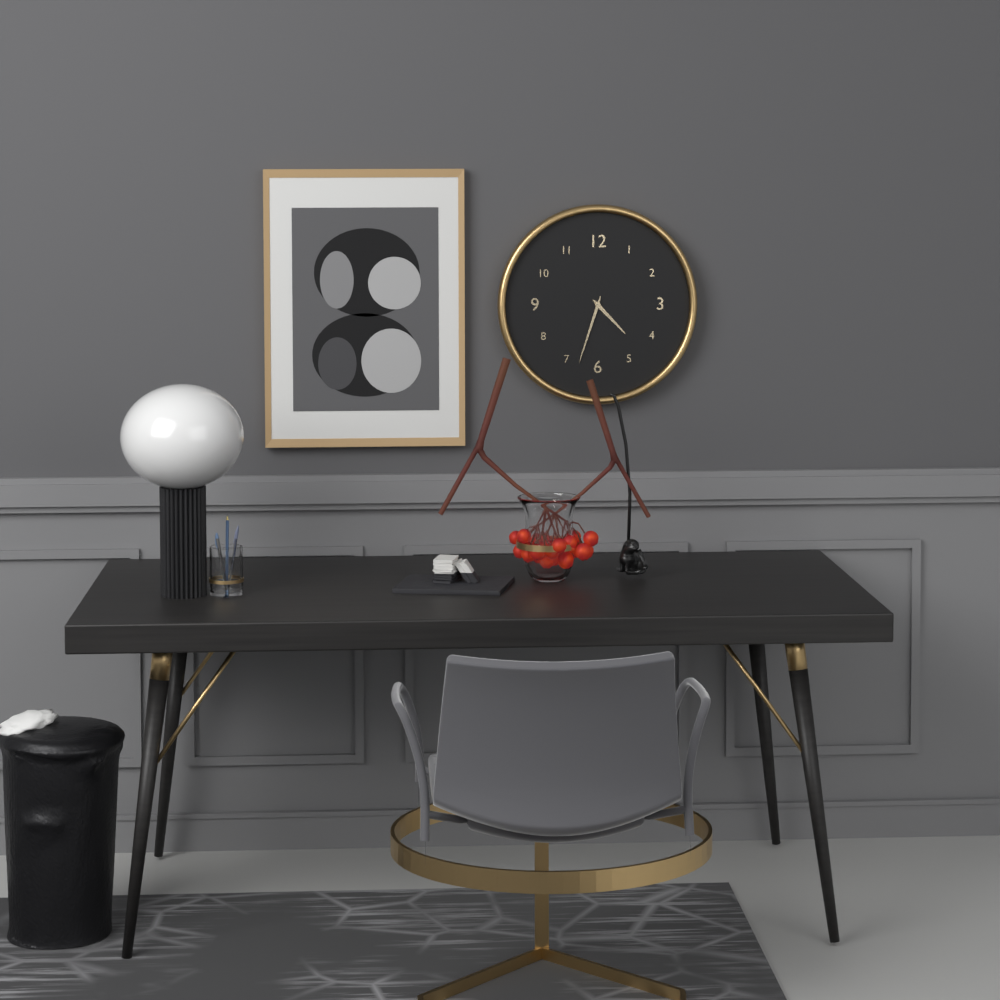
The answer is **4:33**
